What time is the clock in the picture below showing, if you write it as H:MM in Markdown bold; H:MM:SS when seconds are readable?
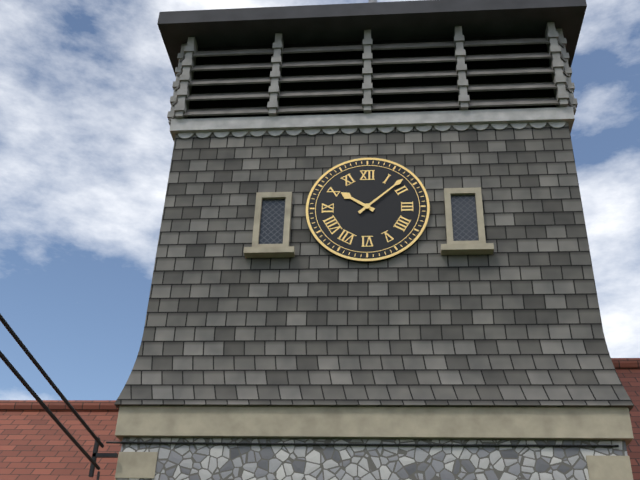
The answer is **10:08**
